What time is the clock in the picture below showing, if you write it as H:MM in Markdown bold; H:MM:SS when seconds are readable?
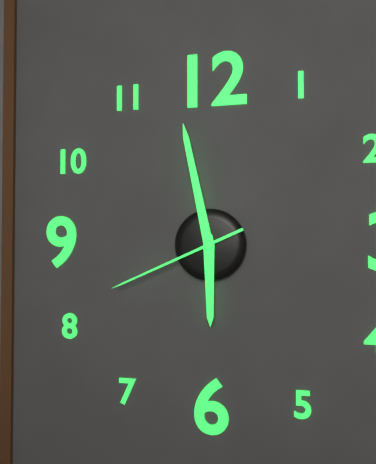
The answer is **5:58:41**
